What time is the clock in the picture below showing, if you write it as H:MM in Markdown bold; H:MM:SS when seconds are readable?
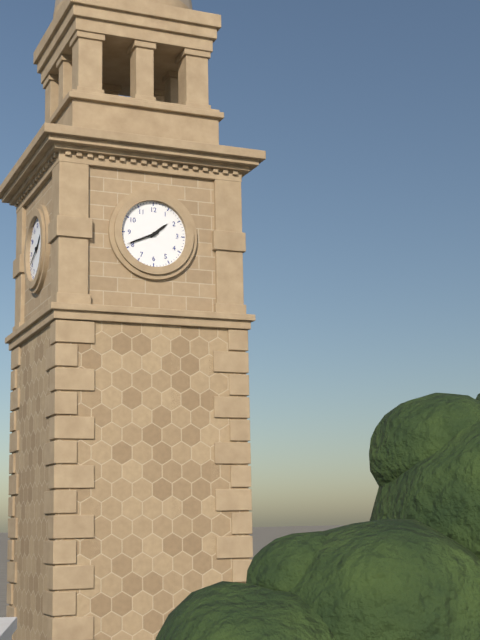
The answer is **1:41**
